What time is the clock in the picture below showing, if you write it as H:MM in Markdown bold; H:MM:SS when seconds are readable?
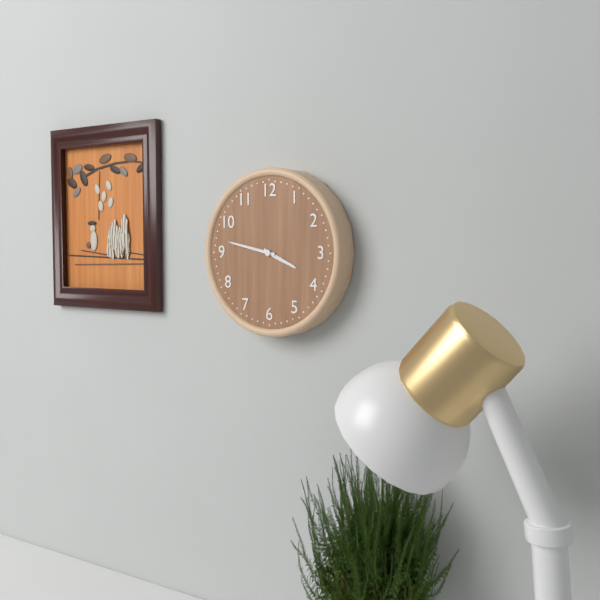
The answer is **3:47**
